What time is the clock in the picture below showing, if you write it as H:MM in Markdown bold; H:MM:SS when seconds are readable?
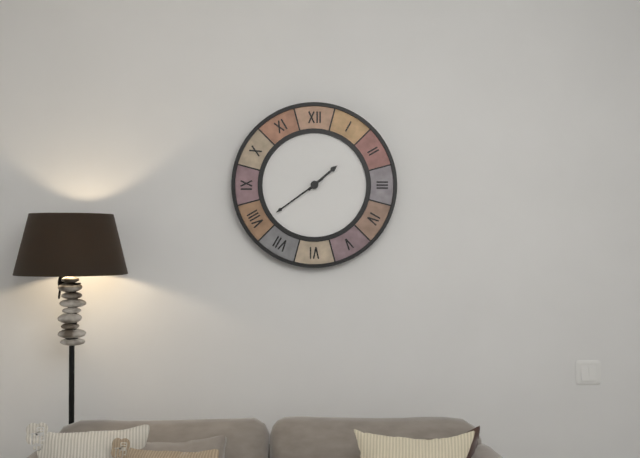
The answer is **1:39**
